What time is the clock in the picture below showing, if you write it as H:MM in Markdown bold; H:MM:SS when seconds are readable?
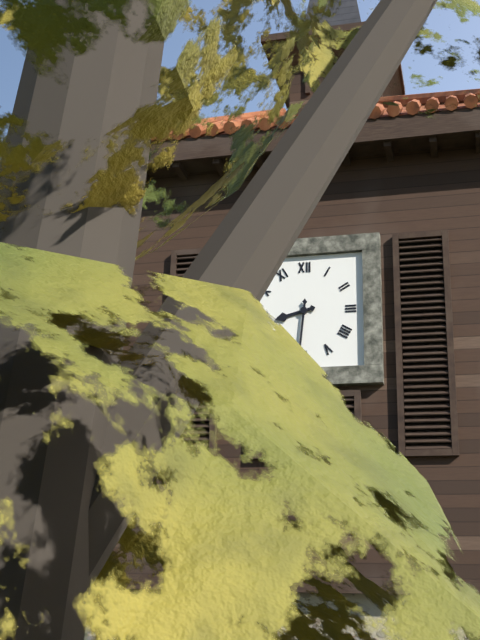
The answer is **8:31**
